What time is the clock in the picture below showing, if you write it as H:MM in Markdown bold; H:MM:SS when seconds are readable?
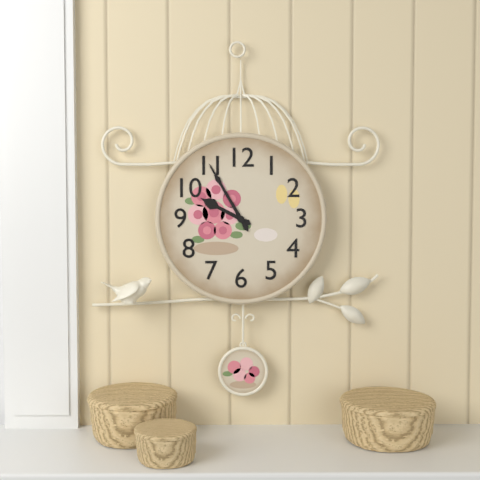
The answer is **9:55**
